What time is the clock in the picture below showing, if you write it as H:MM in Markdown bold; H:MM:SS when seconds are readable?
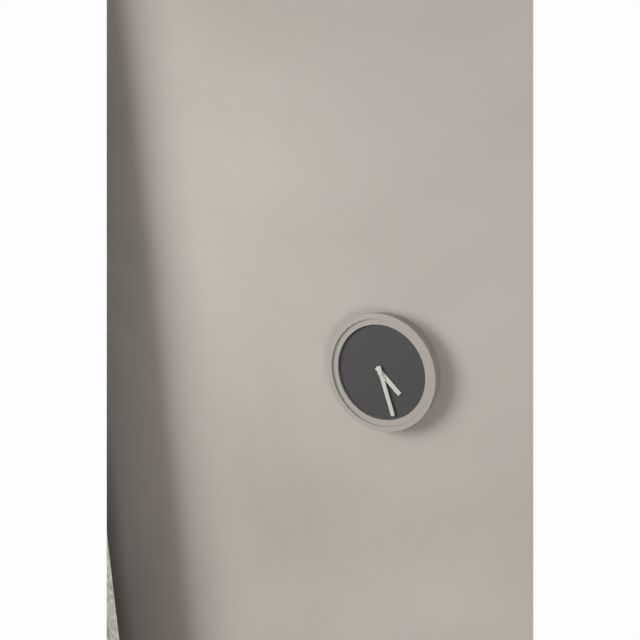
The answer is **4:27**
